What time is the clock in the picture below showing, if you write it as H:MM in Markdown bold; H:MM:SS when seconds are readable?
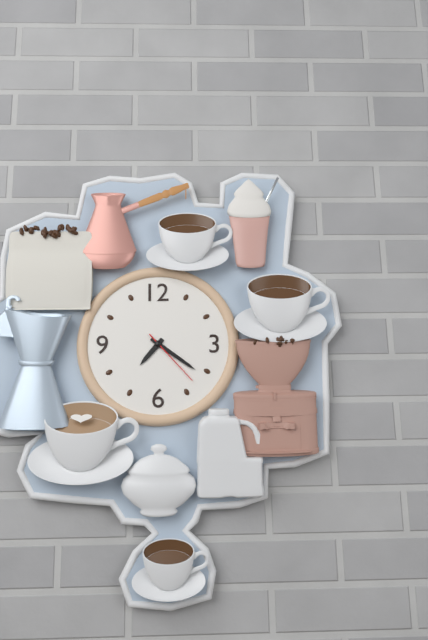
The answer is **7:21:23**
